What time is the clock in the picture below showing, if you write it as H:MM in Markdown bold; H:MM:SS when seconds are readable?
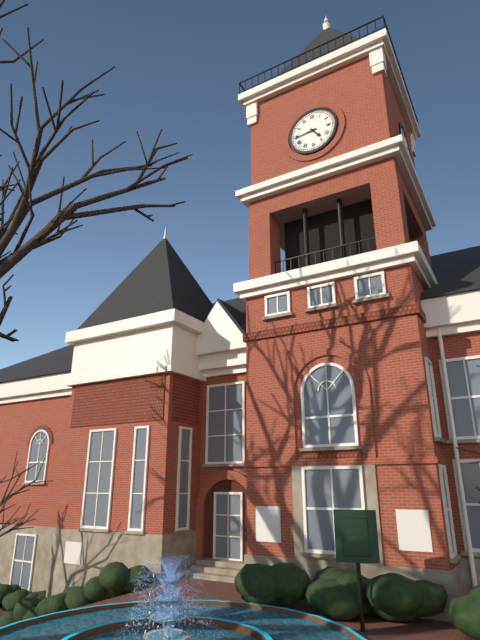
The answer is **4:44**
